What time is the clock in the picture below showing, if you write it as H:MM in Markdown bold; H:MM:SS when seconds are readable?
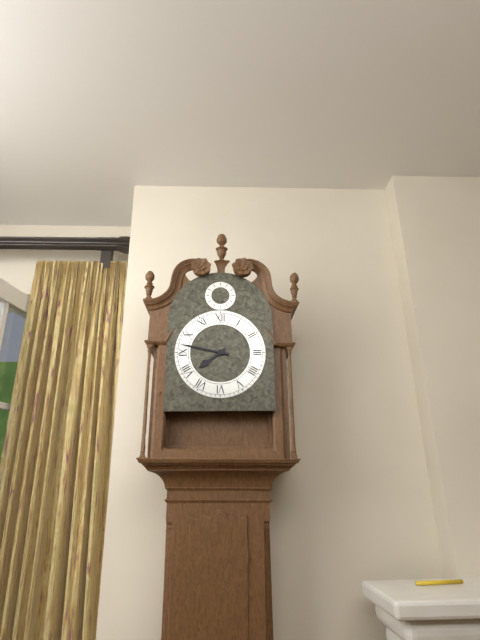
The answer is **7:47**
